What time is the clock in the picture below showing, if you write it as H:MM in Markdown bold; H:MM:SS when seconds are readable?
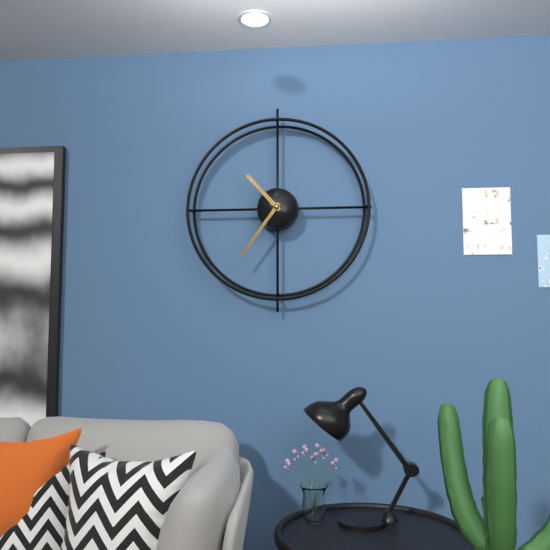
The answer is **10:36**
